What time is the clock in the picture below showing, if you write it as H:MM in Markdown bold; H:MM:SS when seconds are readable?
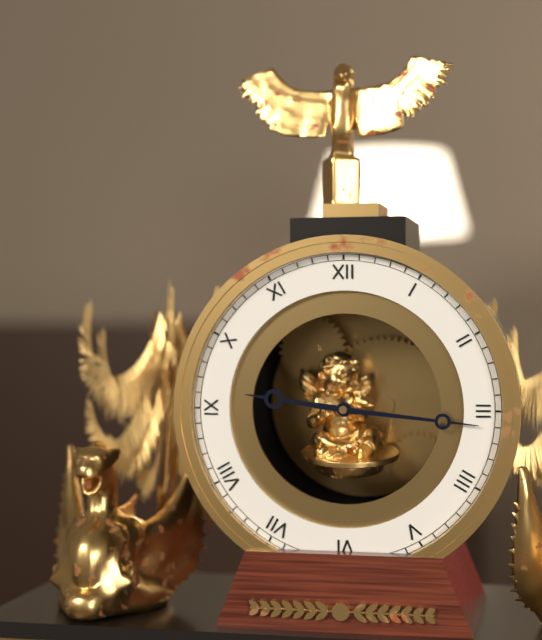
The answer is **9:16**
